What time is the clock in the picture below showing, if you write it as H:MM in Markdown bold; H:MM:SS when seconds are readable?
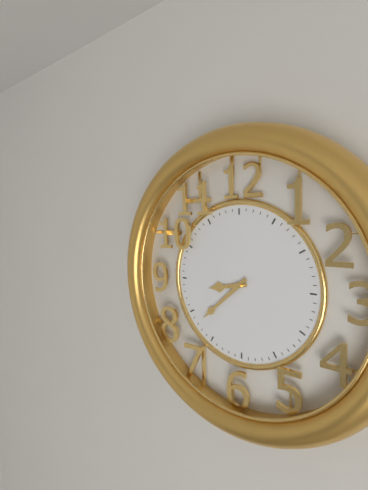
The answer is **8:38**
